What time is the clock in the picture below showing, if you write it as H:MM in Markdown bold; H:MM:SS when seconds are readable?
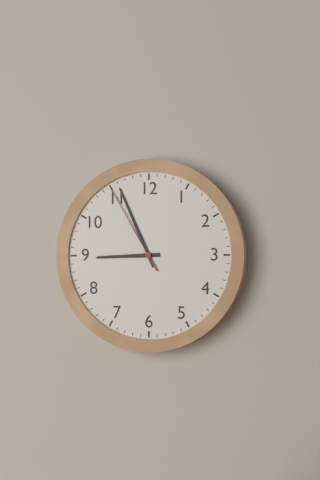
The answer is **8:56:55**
